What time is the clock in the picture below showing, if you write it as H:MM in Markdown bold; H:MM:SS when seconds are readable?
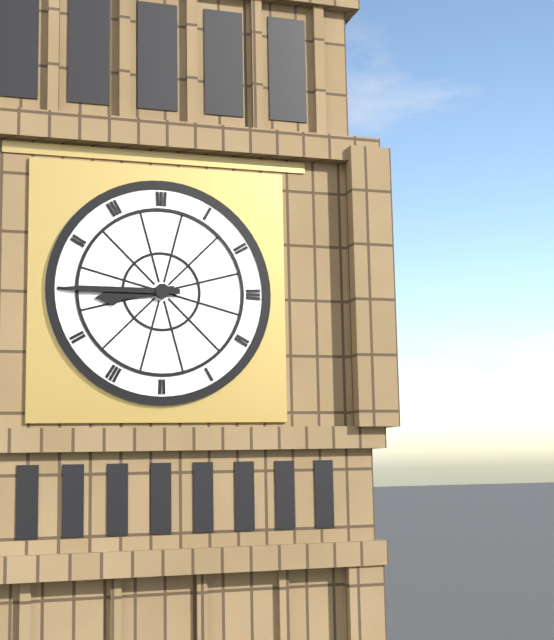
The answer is **8:45**
